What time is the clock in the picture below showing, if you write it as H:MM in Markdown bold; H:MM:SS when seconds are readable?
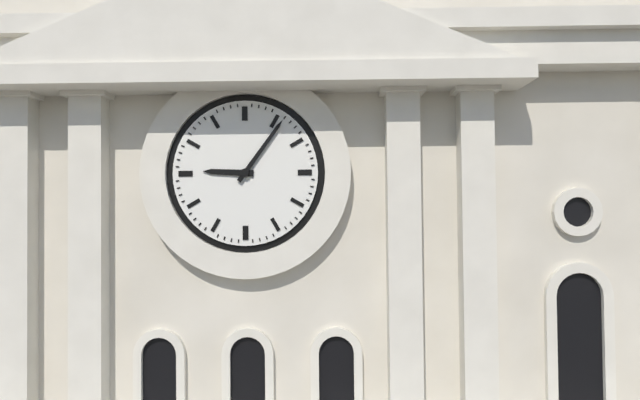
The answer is **9:06**
